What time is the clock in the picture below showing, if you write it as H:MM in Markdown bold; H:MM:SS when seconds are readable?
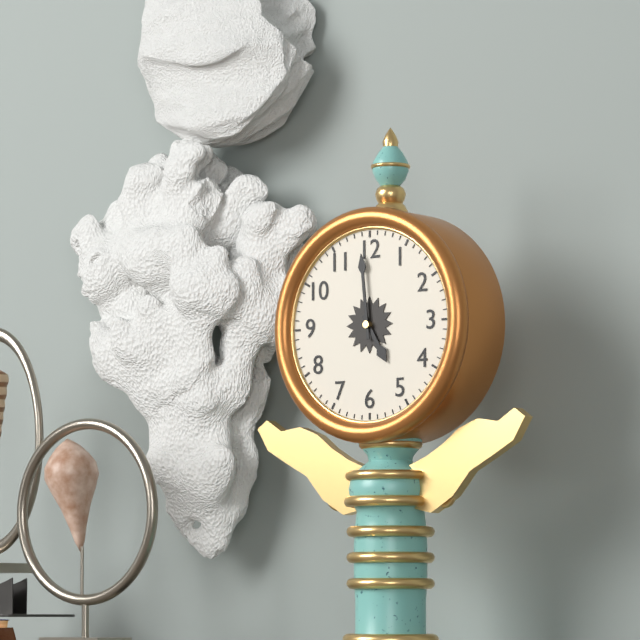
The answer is **4:59**
